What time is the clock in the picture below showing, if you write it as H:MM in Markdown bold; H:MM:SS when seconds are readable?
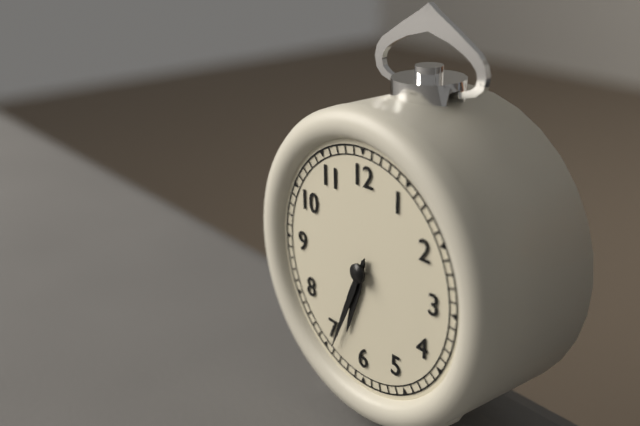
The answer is **6:34**
